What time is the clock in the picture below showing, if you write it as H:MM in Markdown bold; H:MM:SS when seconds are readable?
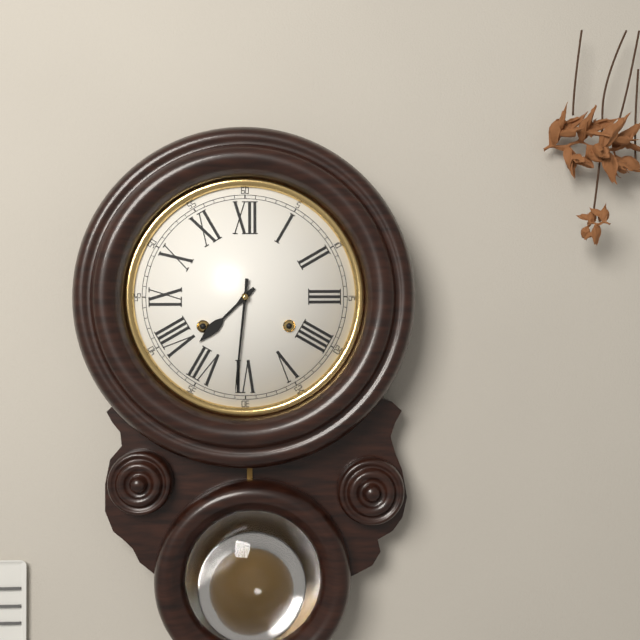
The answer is **7:31**
